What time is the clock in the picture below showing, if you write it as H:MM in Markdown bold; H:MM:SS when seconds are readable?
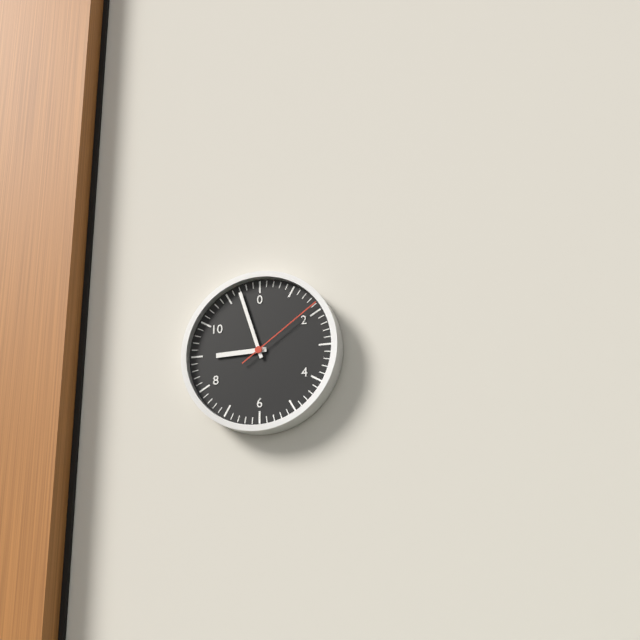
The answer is **8:57:09**
